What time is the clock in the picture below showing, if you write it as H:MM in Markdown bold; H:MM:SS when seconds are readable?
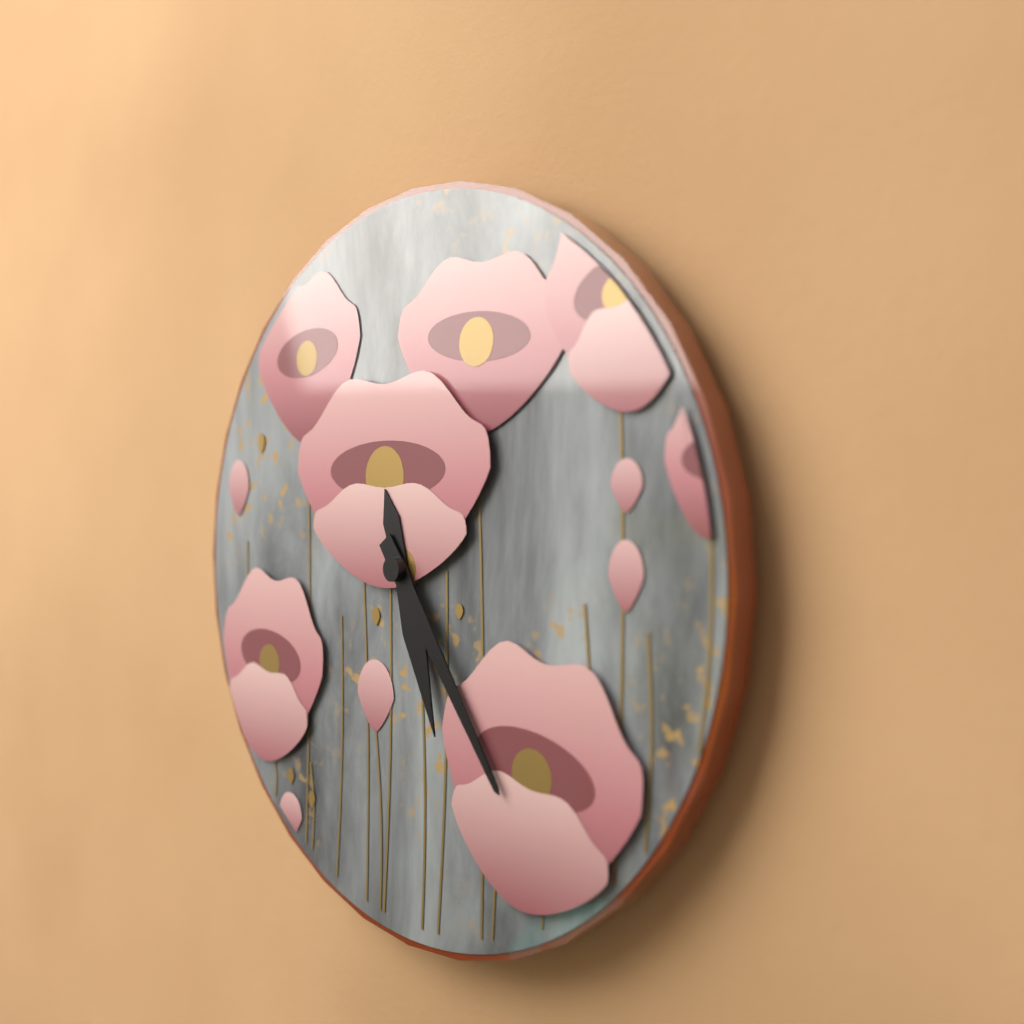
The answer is **5:24**
